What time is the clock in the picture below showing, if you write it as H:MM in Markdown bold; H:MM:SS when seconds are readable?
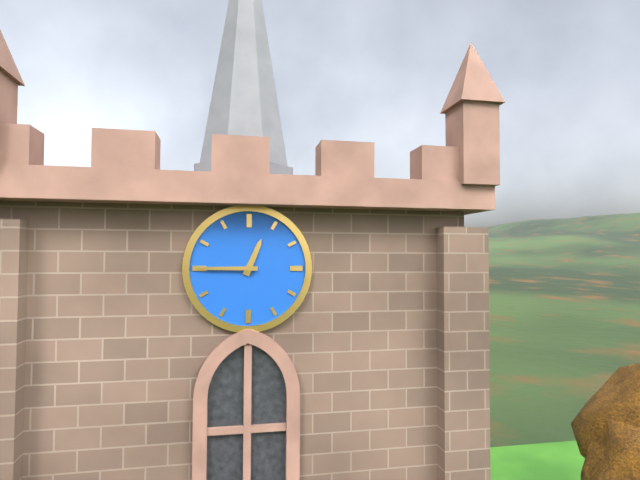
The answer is **12:45**
